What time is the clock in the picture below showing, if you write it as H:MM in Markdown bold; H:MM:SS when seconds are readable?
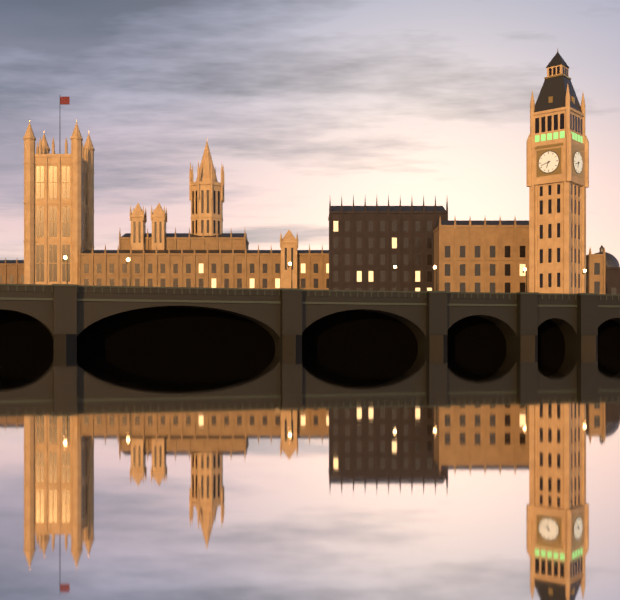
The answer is **6:42**
